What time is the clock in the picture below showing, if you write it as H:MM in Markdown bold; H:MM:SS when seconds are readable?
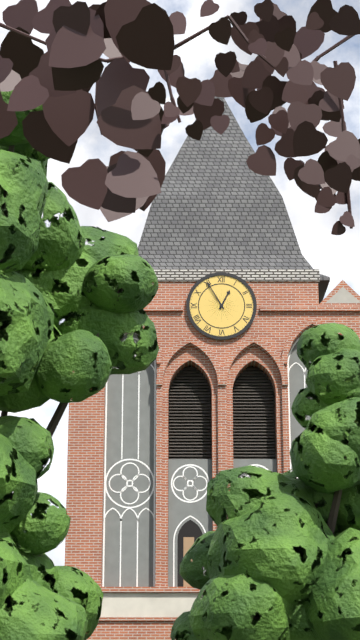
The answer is **12:55**
